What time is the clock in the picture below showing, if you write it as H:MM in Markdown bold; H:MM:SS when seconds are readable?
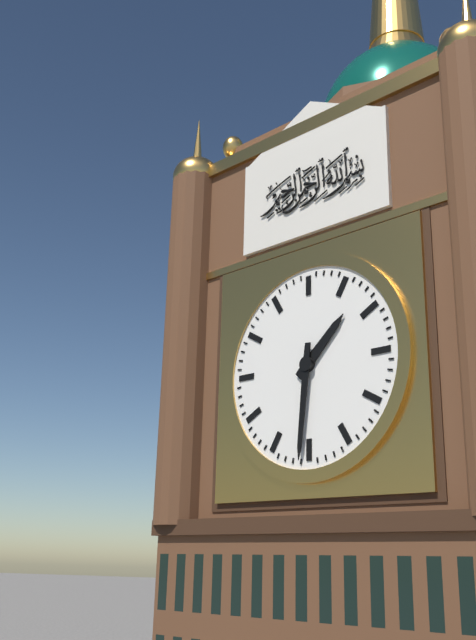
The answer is **1:31**
